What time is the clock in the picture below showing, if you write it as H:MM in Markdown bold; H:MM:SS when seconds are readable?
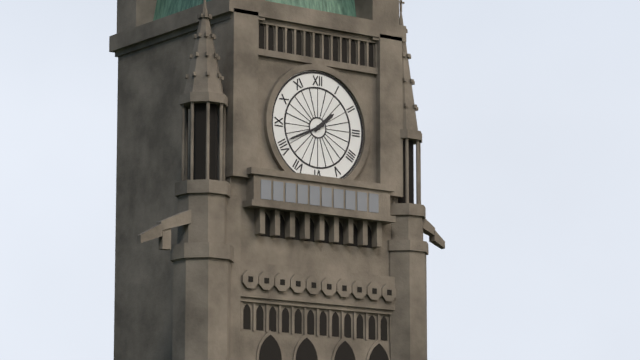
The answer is **1:41**
